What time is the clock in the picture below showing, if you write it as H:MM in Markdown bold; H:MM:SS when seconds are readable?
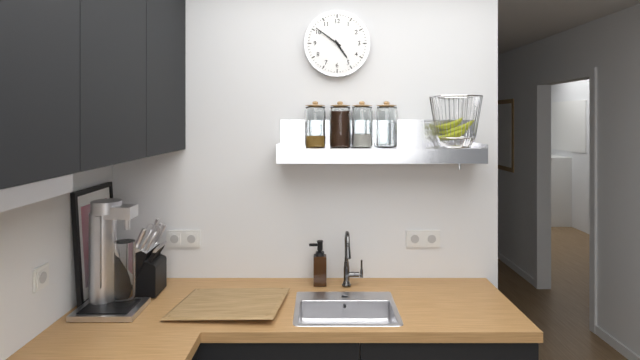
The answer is **4:51**
